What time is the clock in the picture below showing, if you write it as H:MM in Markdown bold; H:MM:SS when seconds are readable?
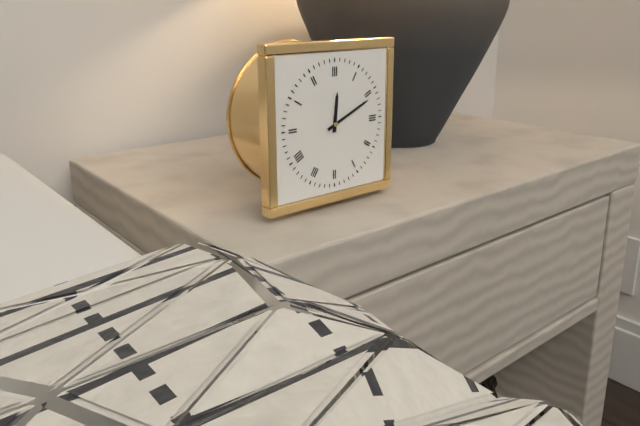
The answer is **12:11**
